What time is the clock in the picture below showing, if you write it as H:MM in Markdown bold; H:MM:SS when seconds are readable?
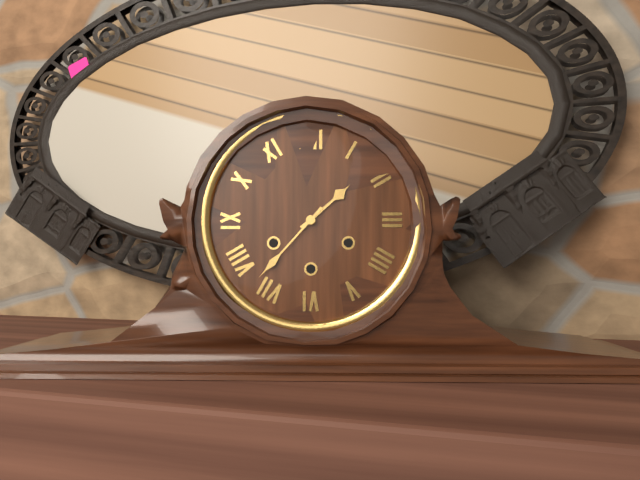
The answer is **1:37**
